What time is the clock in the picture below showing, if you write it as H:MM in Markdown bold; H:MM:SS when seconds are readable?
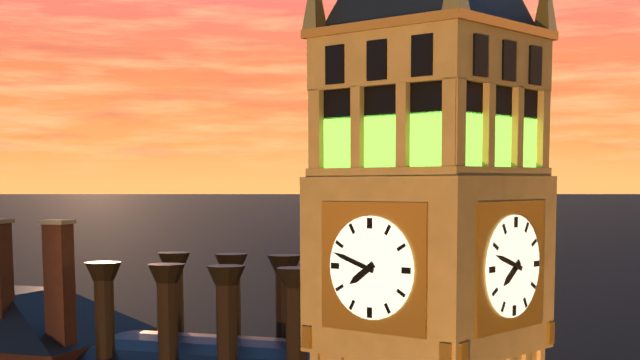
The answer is **7:48**
